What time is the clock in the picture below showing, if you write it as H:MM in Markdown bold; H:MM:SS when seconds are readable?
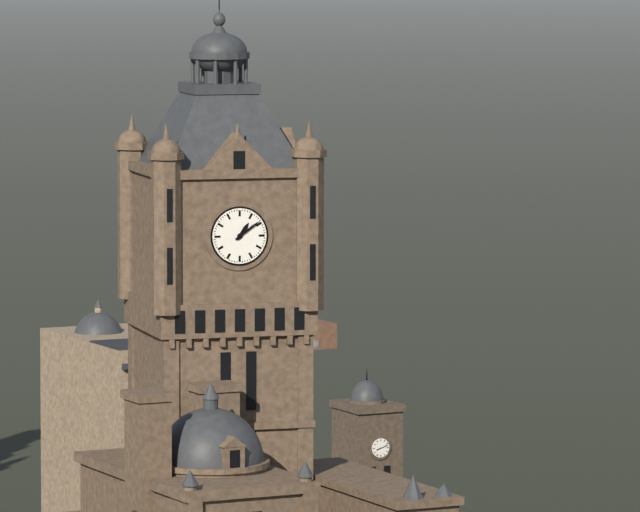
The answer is **1:09**
